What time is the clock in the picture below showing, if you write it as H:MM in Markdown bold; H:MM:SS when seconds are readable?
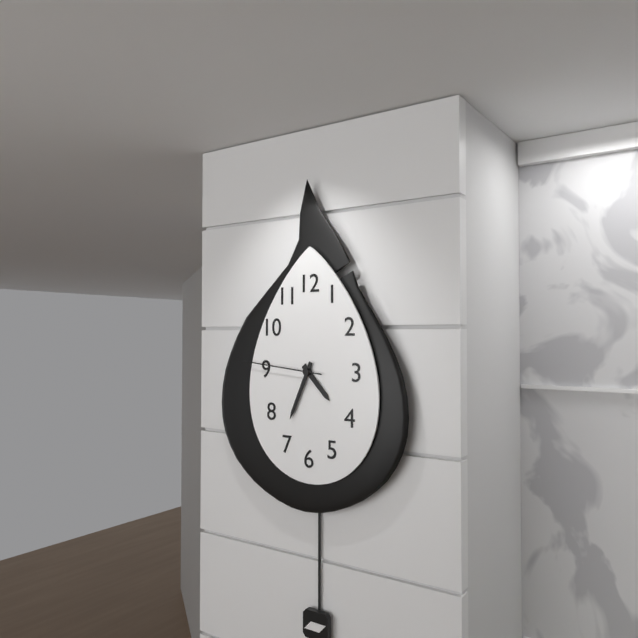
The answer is **4:34:46**
